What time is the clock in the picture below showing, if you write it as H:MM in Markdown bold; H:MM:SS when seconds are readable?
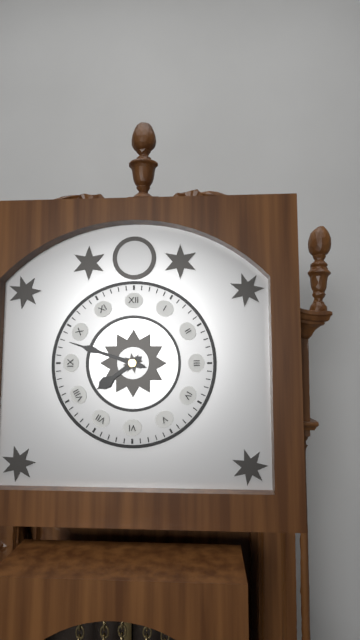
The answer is **7:48**
